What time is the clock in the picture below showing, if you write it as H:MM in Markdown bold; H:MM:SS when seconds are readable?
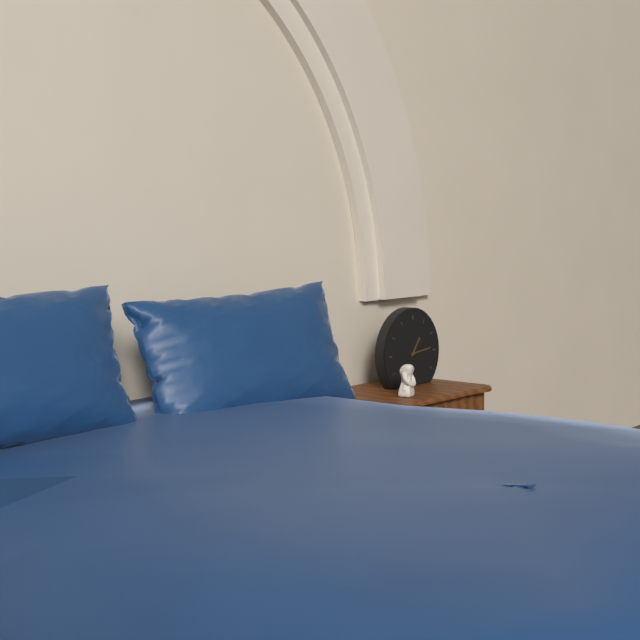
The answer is **1:14**
